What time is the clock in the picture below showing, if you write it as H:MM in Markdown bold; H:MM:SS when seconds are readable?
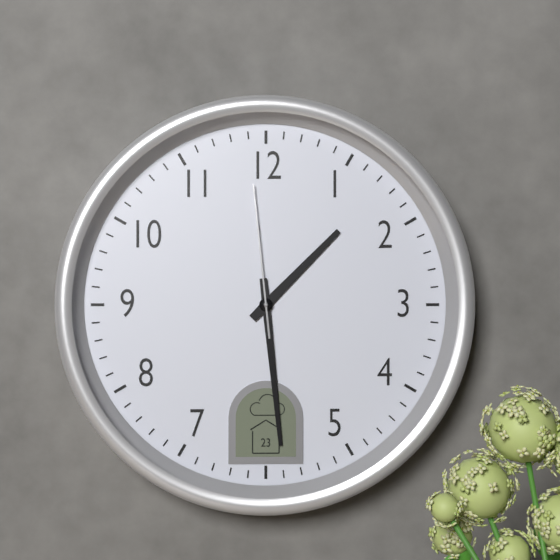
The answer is **1:29:59**
